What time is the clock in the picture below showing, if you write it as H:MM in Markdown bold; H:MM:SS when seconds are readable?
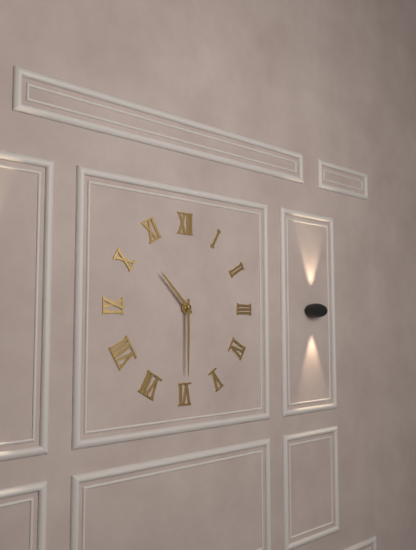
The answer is **10:30**
